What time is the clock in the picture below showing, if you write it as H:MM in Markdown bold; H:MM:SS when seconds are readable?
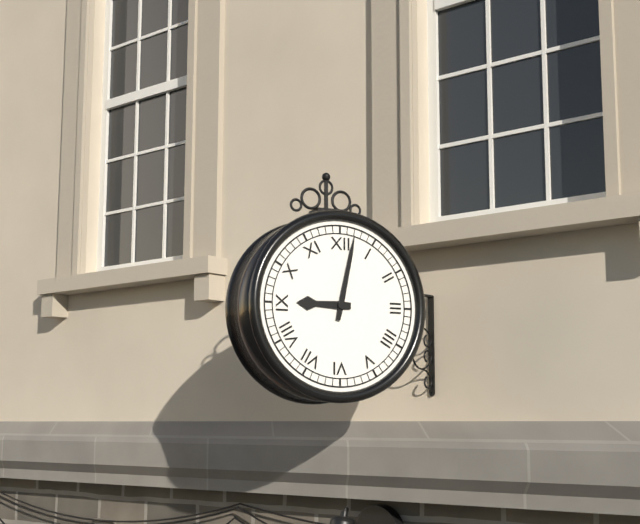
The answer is **9:02**
